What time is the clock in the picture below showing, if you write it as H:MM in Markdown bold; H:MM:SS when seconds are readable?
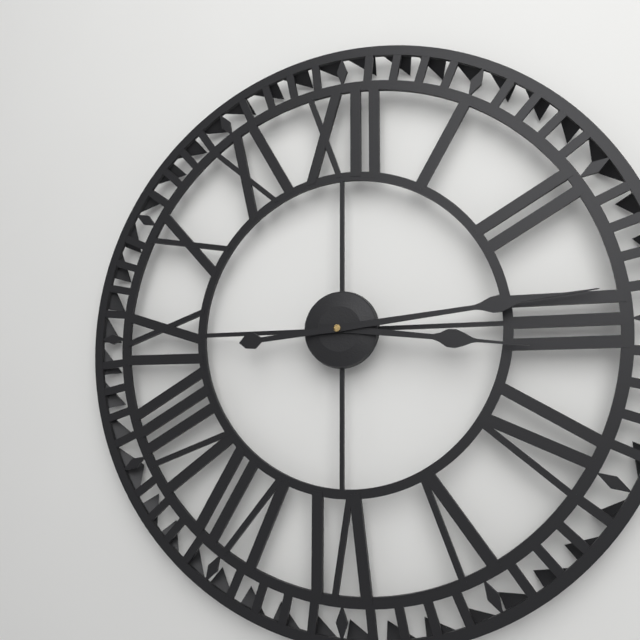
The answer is **3:14**
